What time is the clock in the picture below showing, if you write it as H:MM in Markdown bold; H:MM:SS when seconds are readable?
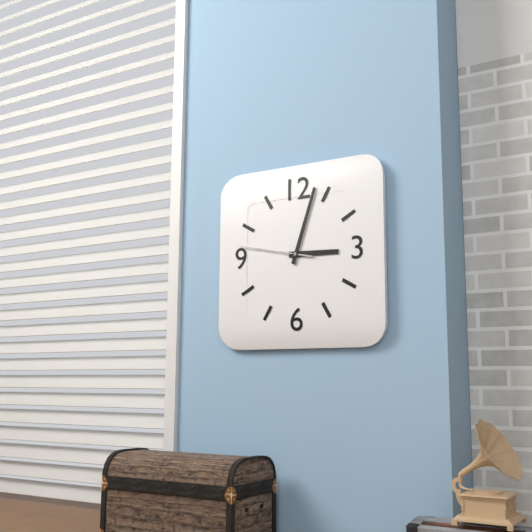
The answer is **3:03:47**
